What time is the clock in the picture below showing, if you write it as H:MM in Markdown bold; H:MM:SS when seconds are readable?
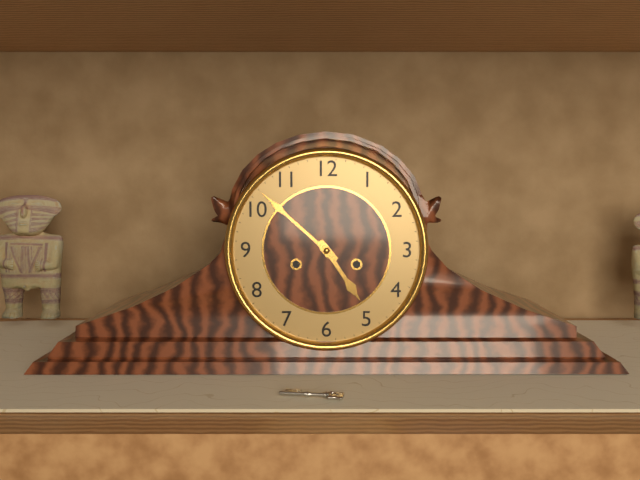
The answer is **4:52**
